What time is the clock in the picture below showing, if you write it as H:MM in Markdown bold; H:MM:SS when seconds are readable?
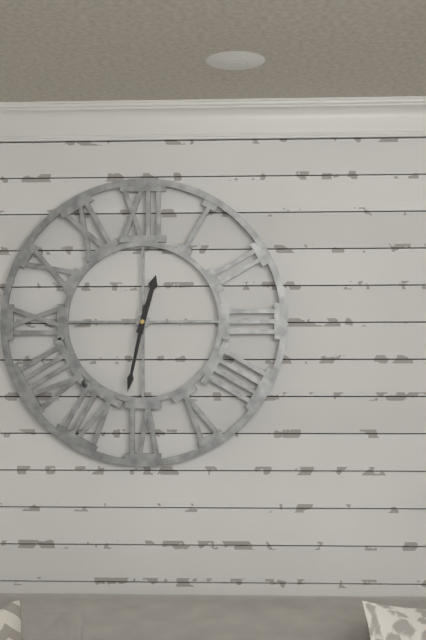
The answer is **12:32**
